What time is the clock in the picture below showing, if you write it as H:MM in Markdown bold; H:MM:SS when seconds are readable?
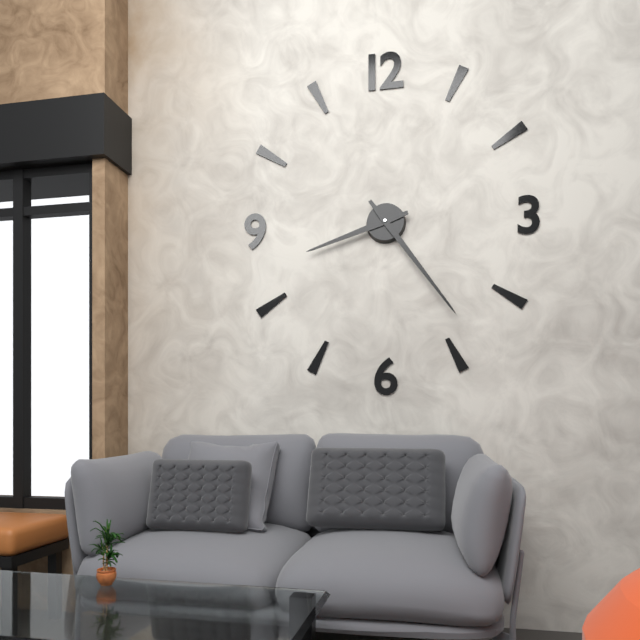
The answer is **8:24**
